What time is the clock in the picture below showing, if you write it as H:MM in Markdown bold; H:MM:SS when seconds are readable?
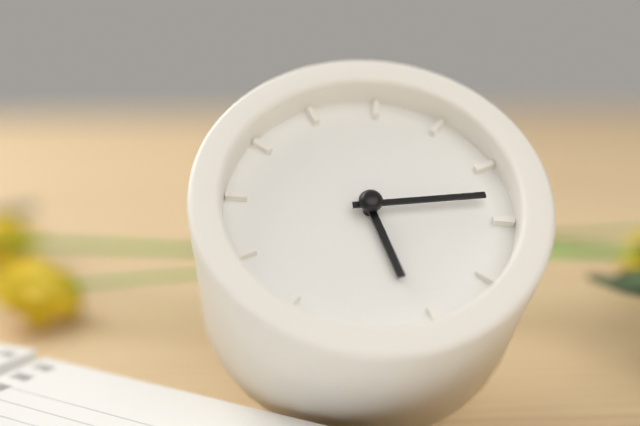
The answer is **5:13**
